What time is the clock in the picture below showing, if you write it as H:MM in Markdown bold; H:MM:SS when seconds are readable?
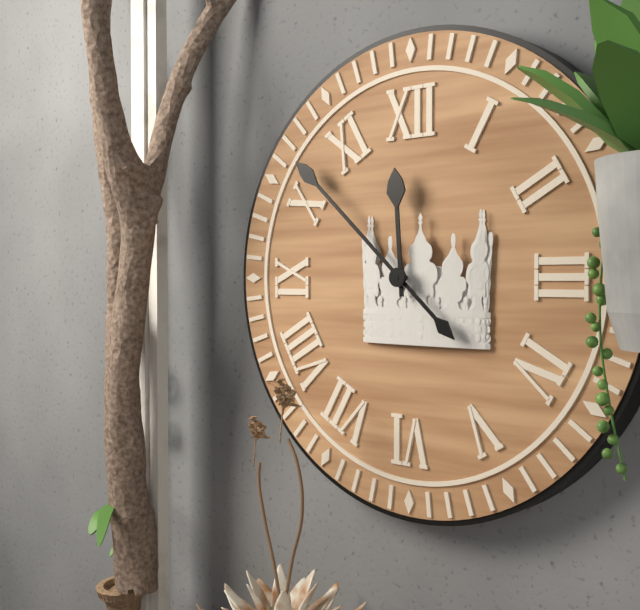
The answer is **11:52**
